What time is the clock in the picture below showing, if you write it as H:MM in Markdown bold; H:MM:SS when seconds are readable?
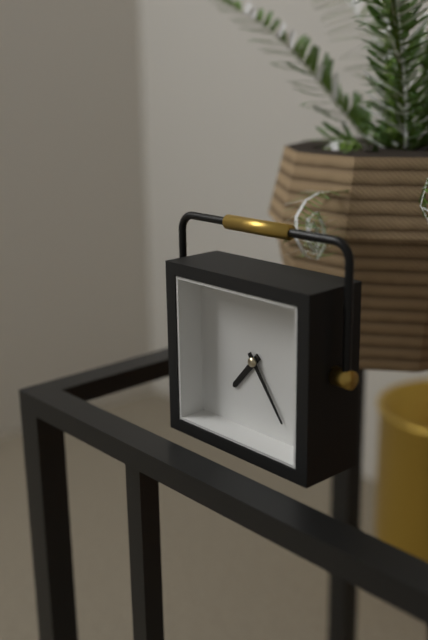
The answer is **7:24**
